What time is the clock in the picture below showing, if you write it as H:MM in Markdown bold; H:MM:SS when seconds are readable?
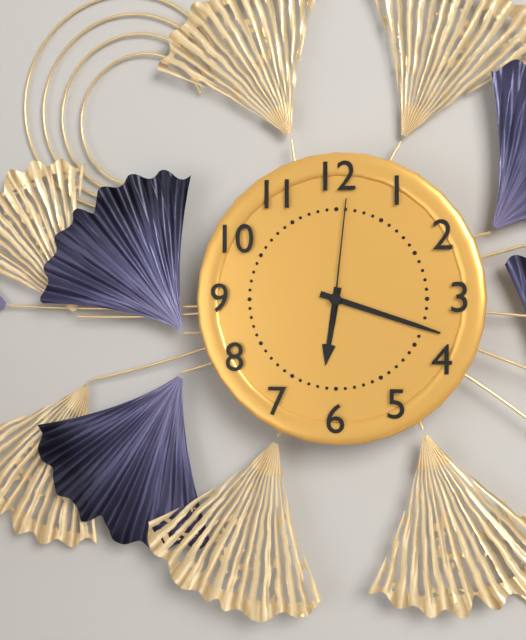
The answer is **6:18:01**
